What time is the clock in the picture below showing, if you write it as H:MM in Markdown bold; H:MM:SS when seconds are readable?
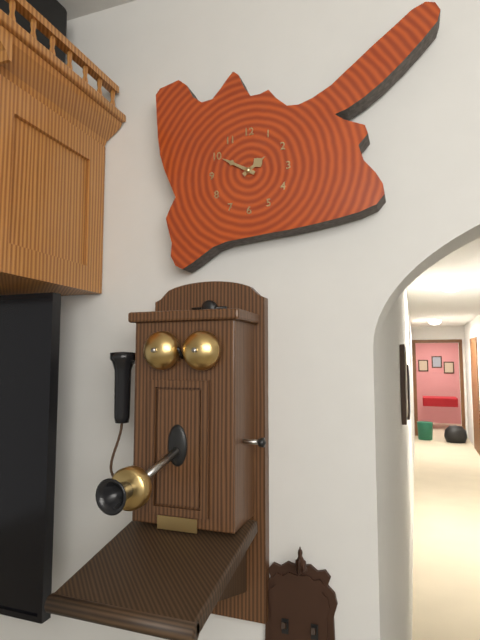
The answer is **1:50**
